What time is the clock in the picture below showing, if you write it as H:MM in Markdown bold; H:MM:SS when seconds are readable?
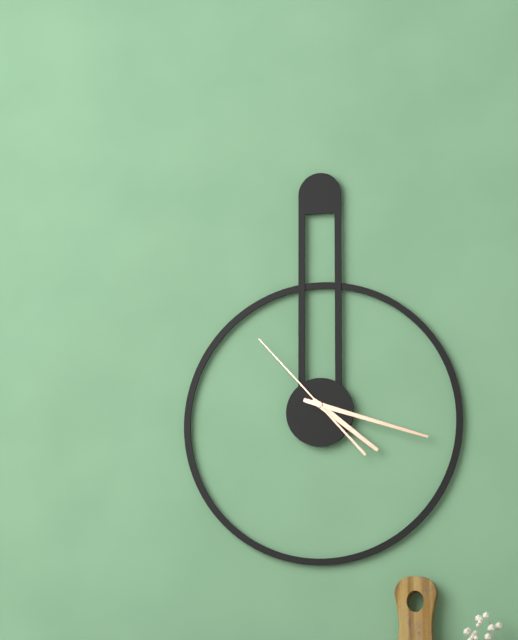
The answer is **4:18:53**
